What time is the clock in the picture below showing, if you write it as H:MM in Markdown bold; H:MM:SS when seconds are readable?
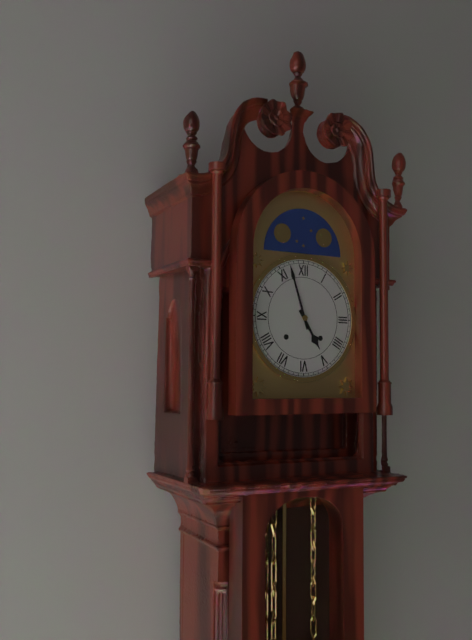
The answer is **4:57**
